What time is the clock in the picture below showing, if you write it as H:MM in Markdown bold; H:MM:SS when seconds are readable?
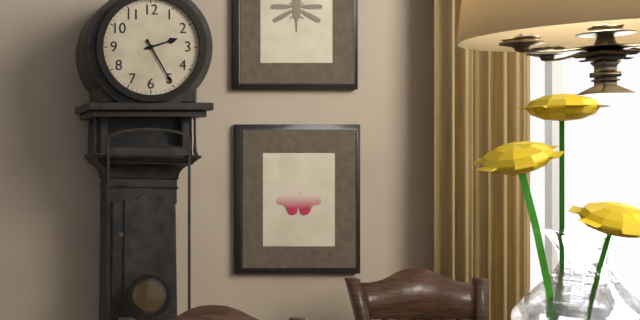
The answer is **2:25**
